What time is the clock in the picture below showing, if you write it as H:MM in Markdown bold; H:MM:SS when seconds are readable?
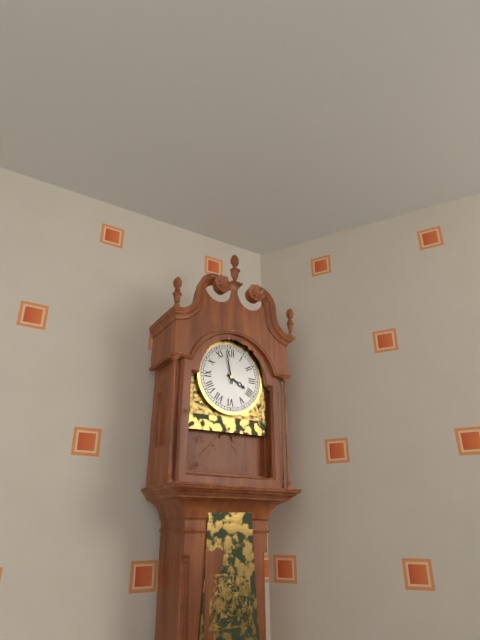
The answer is **3:58**
